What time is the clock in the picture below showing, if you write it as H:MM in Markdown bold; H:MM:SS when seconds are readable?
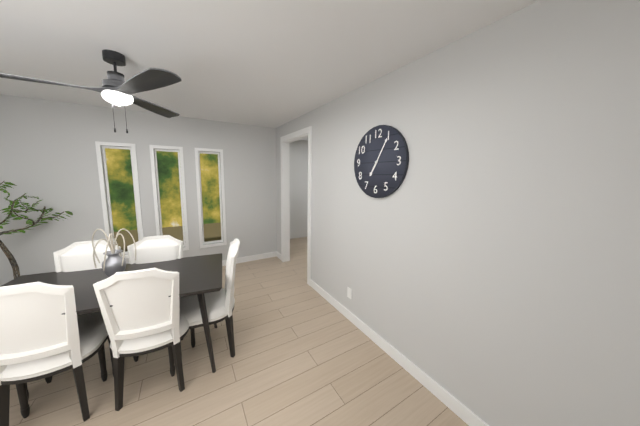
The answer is **7:05**
